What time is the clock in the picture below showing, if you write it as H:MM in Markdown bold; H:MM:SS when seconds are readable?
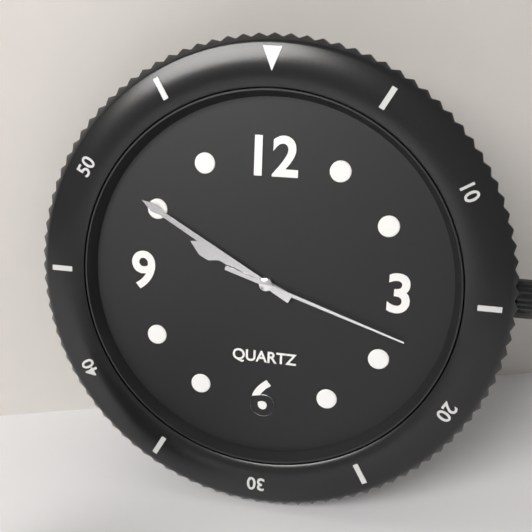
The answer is **9:50:18**
